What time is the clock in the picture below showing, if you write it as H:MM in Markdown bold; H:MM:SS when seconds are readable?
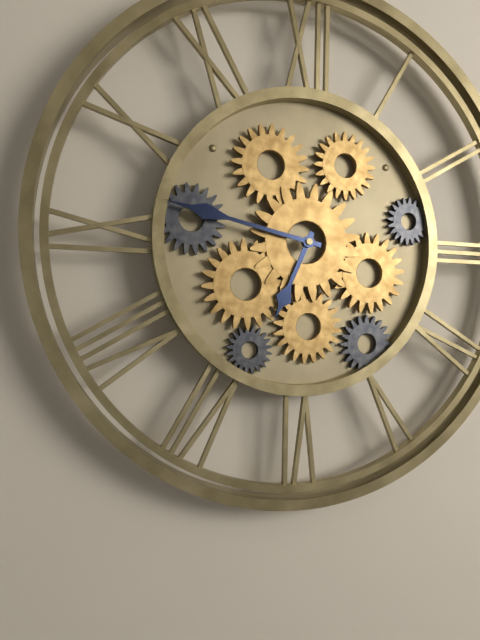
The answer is **6:47**
